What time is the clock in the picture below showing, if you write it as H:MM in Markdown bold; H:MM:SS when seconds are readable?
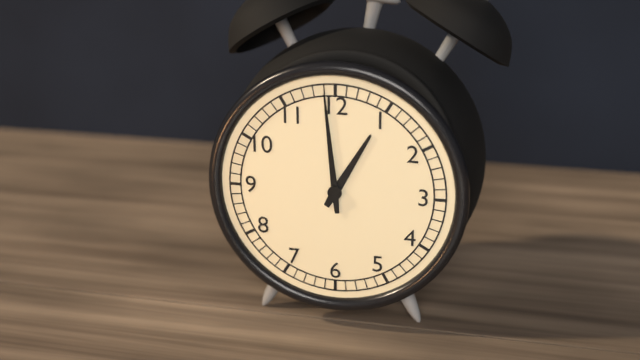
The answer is **12:59**
